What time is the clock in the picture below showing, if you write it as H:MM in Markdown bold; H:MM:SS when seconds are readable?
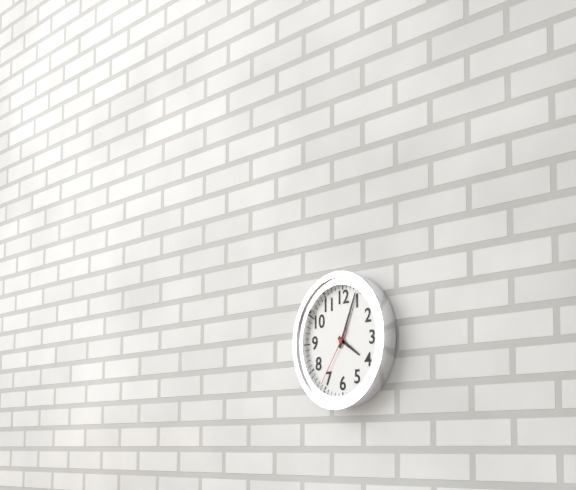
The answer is **4:04:36**
